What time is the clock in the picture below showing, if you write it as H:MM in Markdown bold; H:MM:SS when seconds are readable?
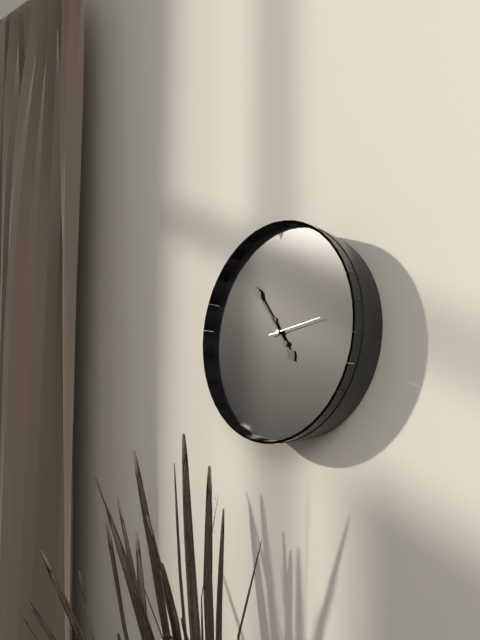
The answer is **4:54:14**
